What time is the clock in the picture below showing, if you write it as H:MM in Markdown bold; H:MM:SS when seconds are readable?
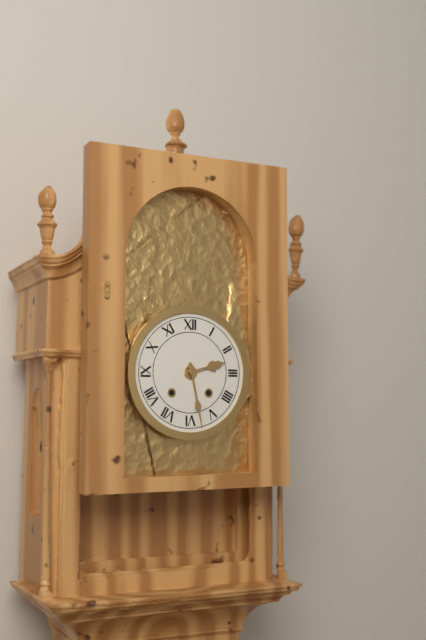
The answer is **2:28**
